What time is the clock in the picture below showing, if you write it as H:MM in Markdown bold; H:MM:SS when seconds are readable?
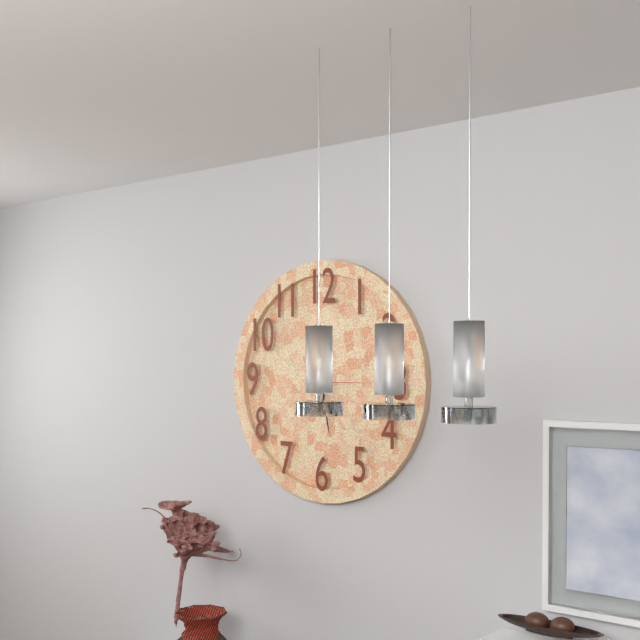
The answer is **6:28:15**
